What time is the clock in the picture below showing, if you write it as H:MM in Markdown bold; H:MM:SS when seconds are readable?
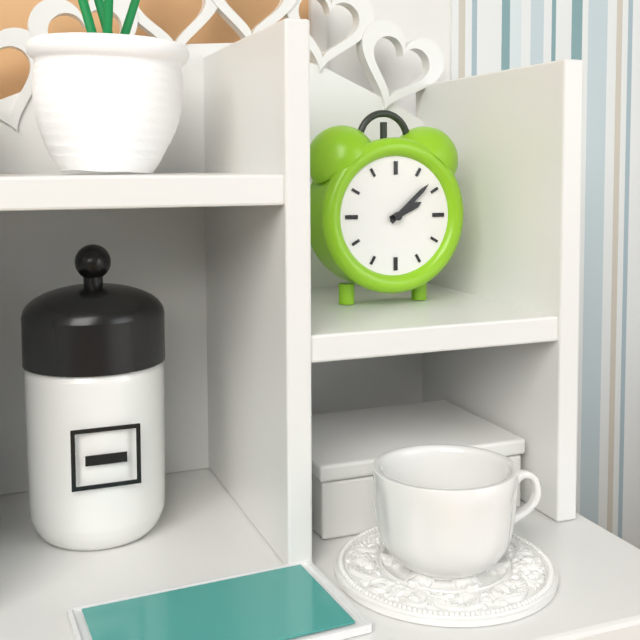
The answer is **2:08**
